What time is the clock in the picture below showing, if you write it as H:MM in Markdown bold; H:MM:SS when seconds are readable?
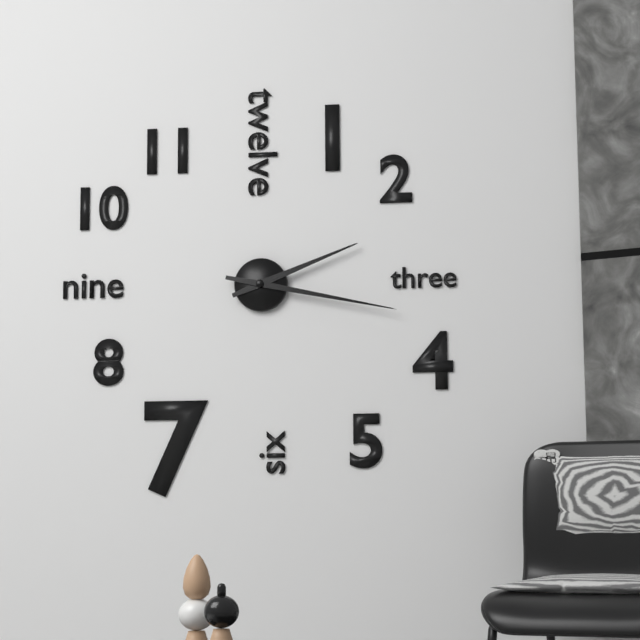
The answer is **2:17**
